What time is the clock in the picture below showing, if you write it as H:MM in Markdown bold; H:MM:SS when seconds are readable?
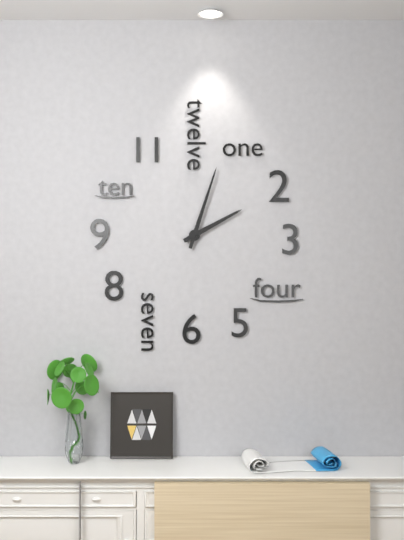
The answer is **2:03**
